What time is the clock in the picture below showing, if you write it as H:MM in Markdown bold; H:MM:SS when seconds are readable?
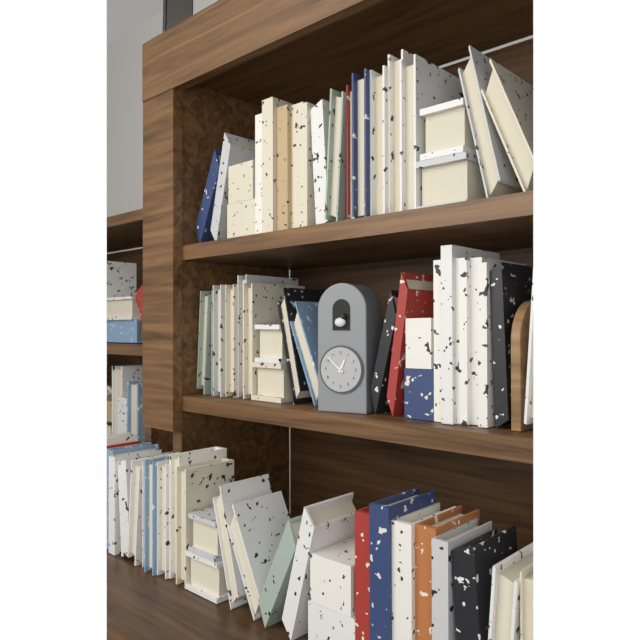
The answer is **12:52**
